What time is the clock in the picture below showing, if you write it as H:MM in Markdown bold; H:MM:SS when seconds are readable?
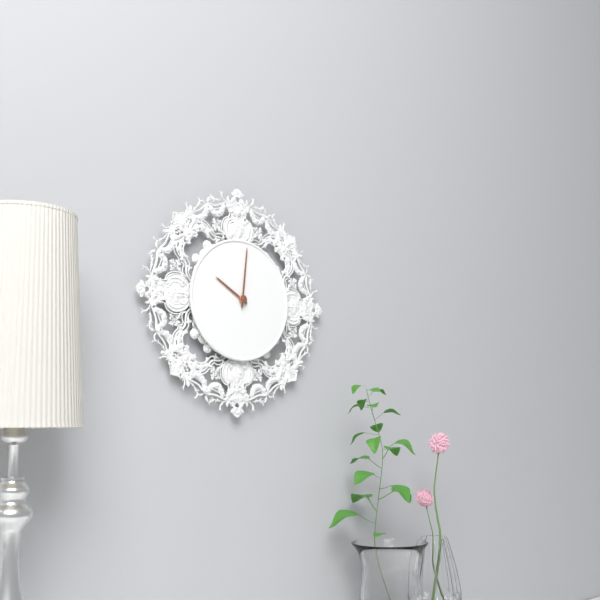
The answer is **10:01**
